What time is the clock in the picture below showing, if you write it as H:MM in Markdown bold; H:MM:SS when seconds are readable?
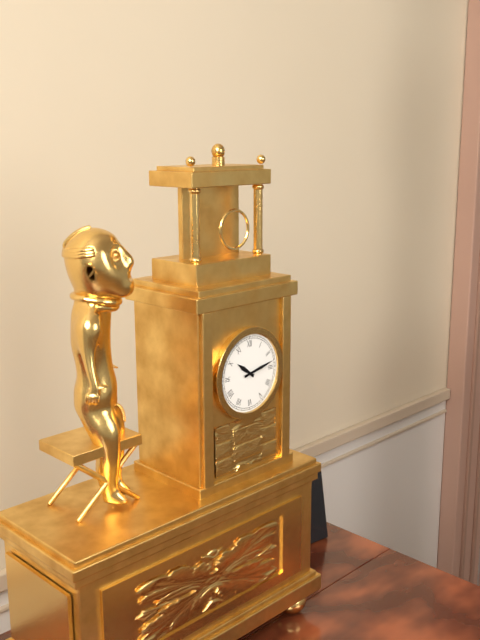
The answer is **10:13**
